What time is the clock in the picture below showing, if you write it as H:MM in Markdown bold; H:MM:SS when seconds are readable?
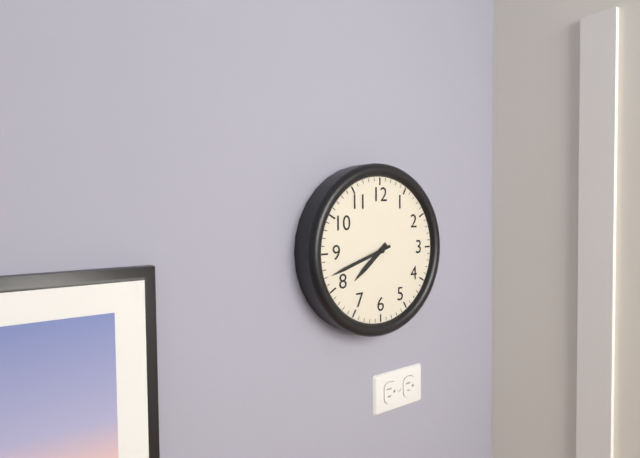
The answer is **7:42**
